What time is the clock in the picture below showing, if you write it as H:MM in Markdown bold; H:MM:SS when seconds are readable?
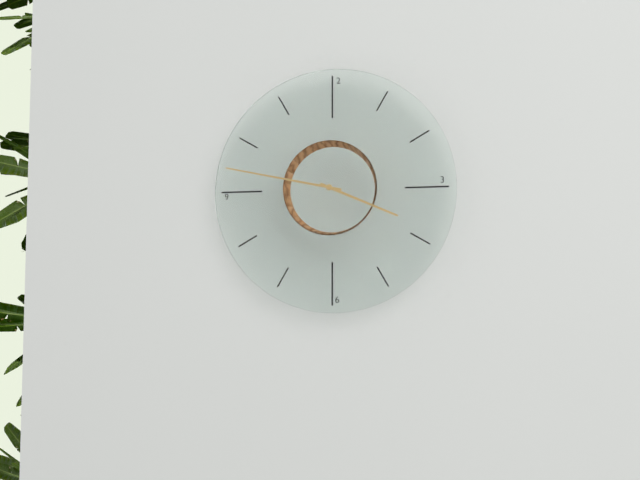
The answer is **3:47**
